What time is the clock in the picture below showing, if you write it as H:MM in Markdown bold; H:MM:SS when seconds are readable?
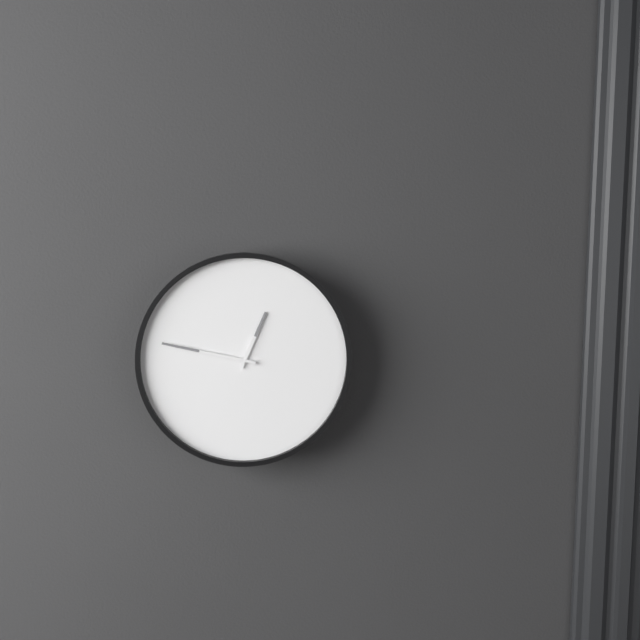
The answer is **12:47**
